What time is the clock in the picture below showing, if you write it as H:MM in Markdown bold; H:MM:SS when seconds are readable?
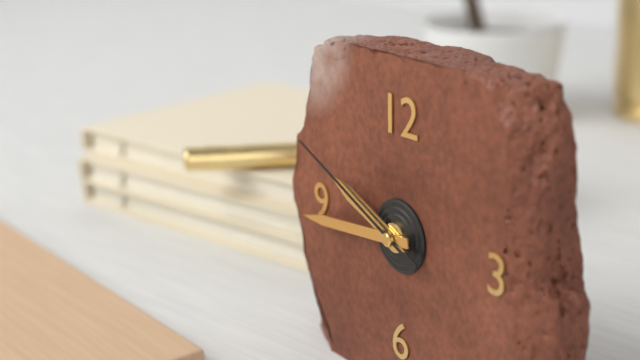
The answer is **9:44:49**
